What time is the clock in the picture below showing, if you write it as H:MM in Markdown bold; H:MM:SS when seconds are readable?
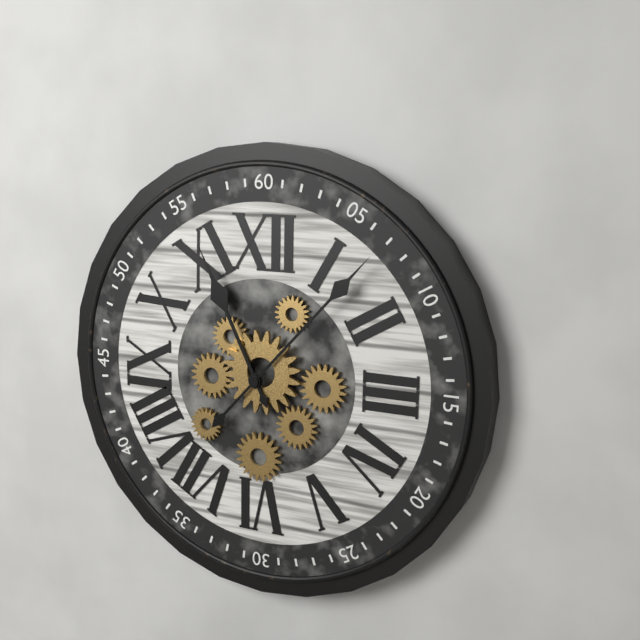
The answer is **11:07**
